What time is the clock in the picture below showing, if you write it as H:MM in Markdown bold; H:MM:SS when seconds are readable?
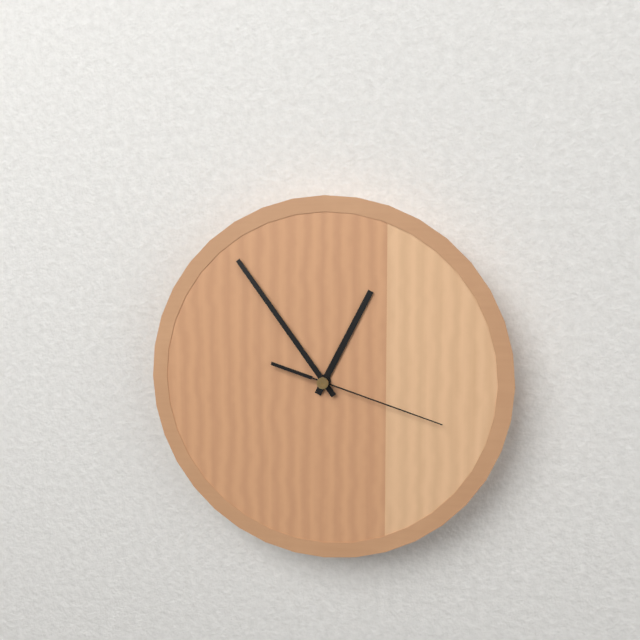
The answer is **12:54:18**
